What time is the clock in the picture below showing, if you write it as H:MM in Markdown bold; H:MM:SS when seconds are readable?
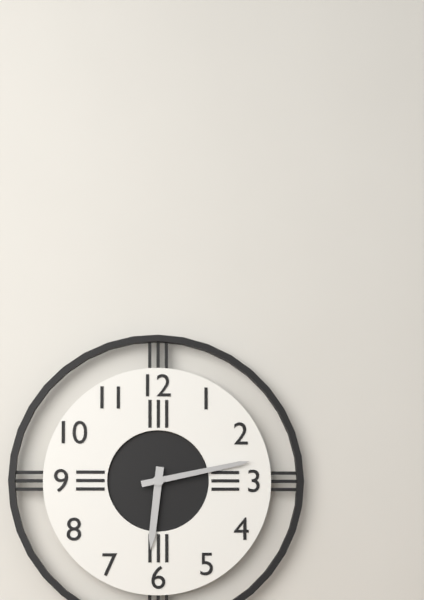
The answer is **6:13**
